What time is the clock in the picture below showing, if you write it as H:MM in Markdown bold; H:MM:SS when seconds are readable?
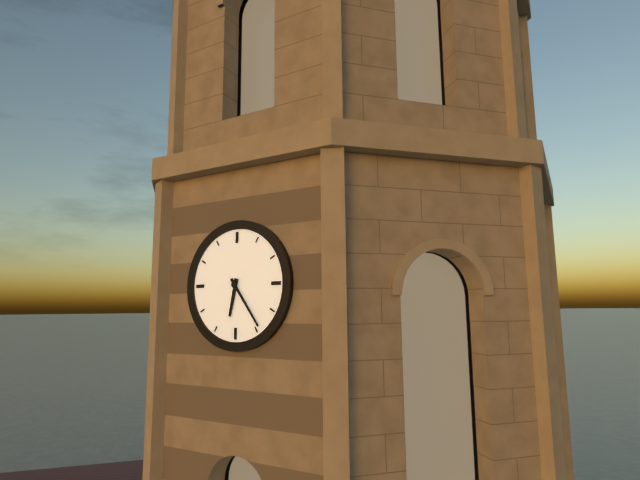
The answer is **6:24**
